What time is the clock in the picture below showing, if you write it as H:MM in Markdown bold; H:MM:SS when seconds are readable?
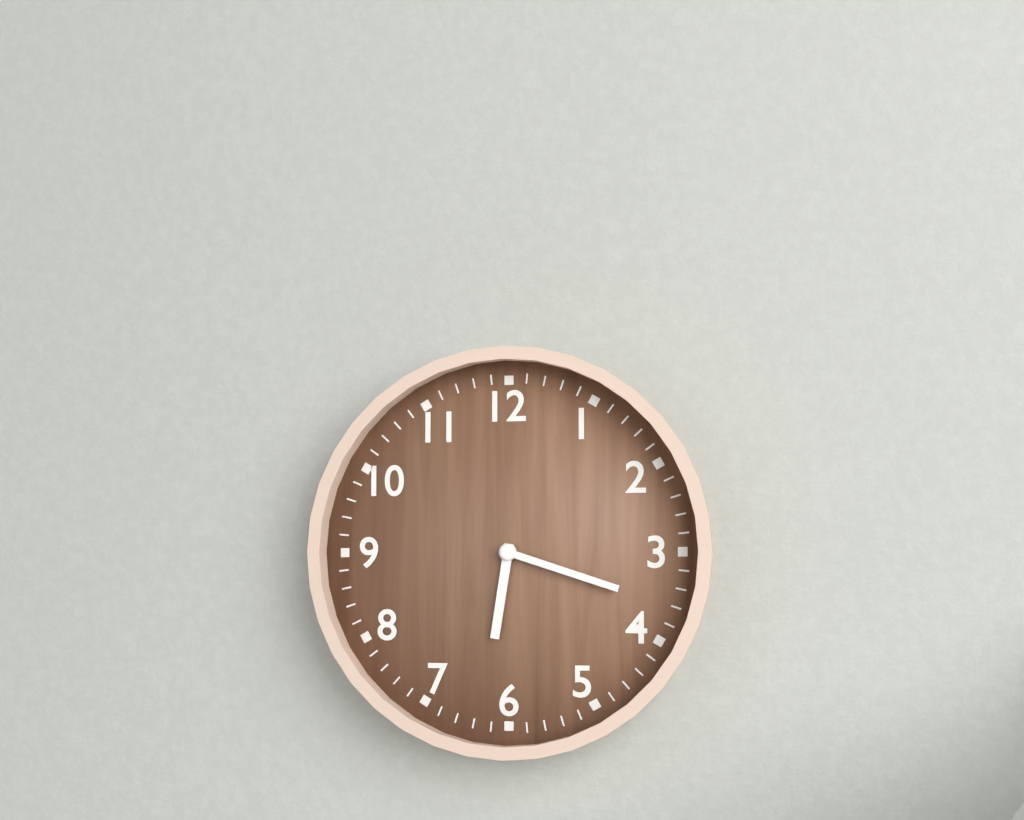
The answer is **6:18**
